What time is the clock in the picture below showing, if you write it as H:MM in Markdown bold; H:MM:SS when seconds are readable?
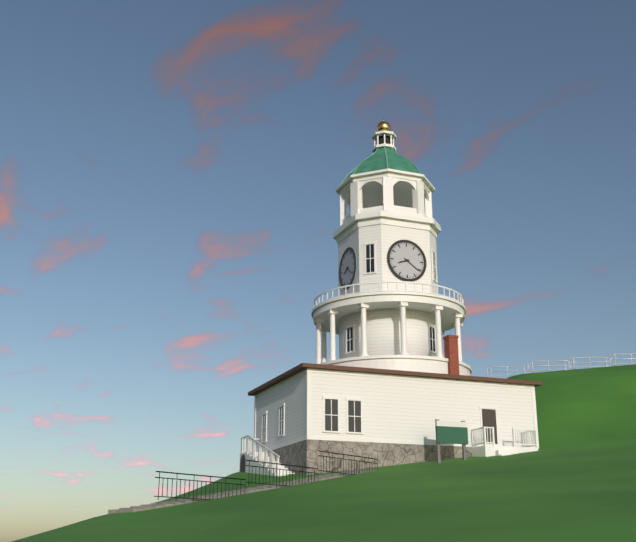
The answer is **8:21**
